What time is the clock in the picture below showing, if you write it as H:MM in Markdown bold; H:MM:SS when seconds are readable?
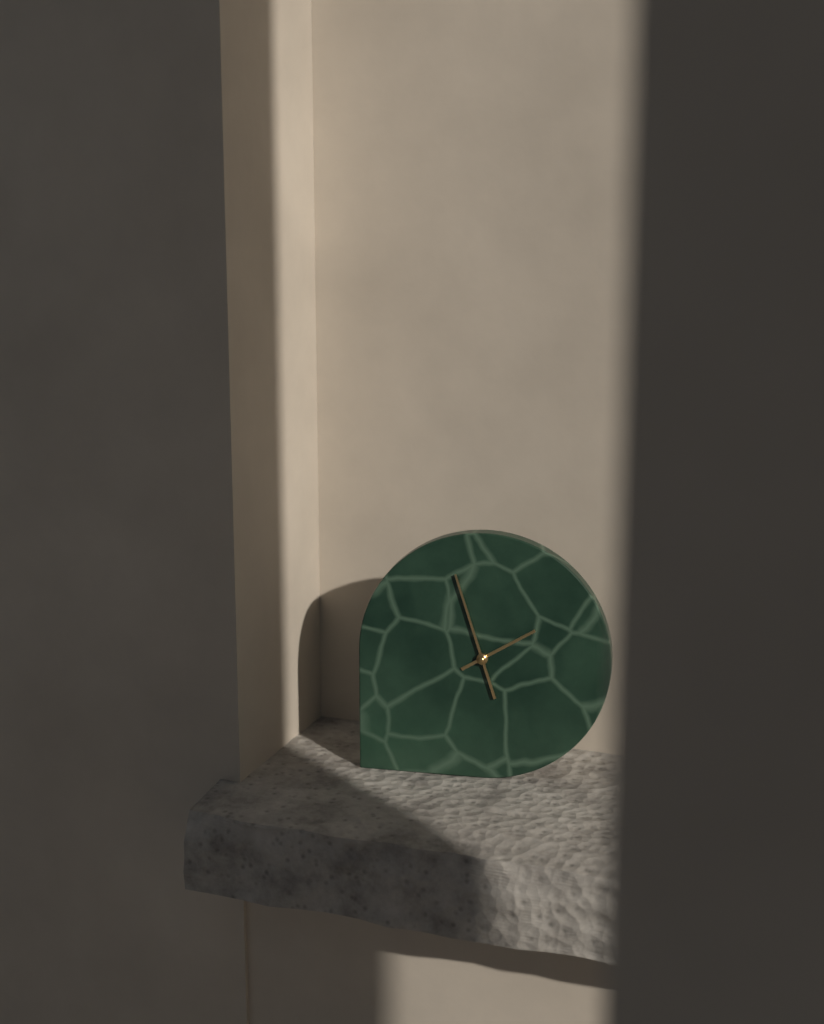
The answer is **1:57**
